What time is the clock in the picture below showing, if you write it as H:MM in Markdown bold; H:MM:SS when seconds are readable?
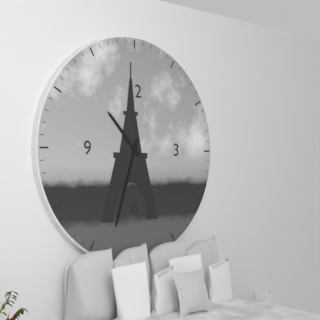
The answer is **10:33**
